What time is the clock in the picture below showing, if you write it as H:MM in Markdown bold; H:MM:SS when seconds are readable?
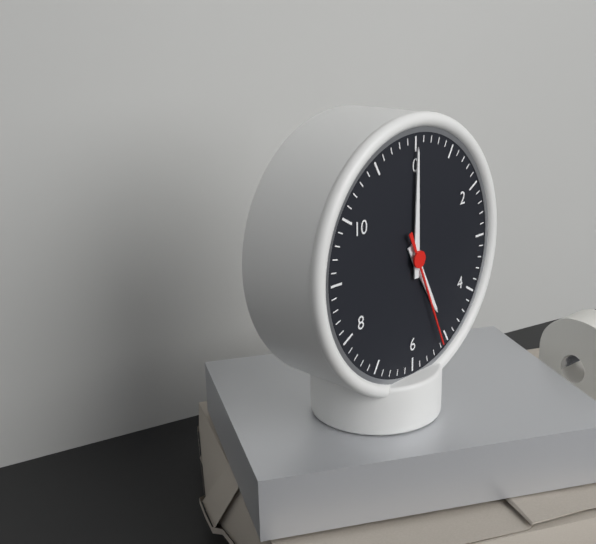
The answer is **5:00:26**
